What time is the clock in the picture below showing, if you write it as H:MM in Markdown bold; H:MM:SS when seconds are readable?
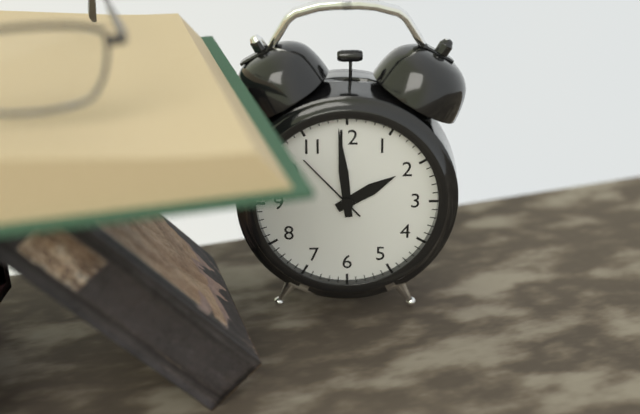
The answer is **1:59:53**
